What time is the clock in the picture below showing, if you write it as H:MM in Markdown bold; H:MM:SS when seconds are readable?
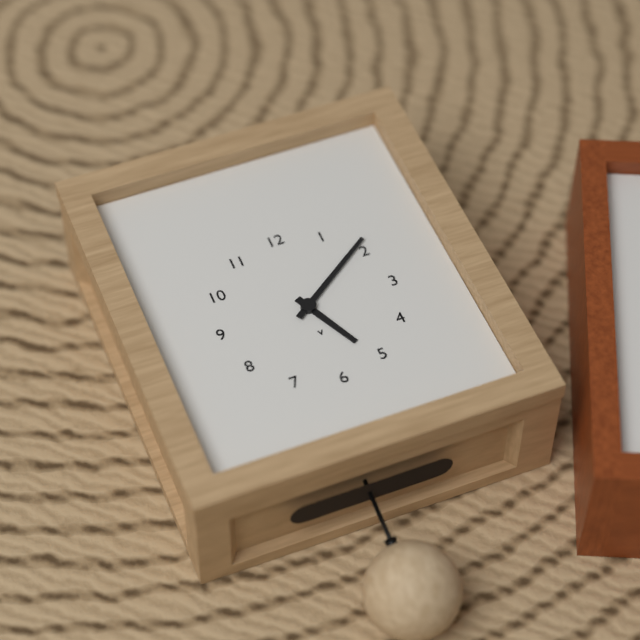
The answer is **5:09**
